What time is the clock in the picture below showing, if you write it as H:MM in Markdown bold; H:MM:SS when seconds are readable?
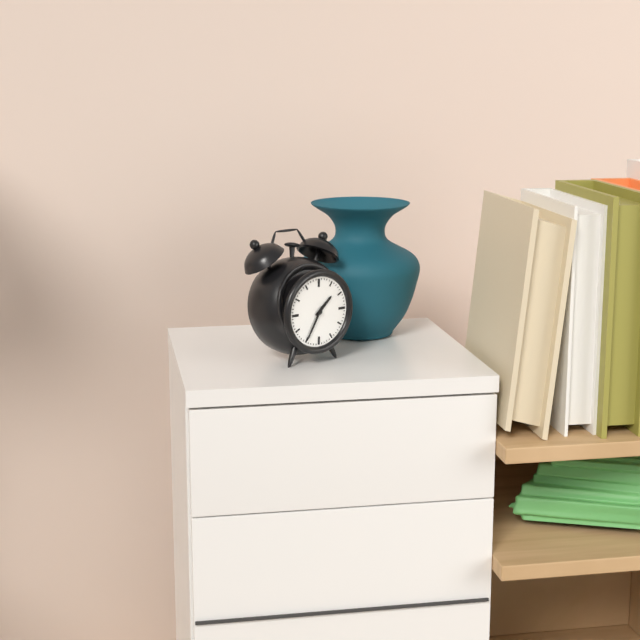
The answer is **1:35**
